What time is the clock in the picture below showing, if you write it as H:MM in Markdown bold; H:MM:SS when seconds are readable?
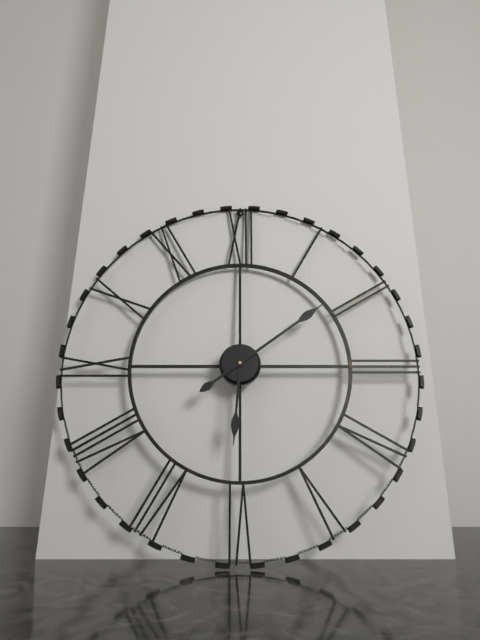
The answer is **6:09**
